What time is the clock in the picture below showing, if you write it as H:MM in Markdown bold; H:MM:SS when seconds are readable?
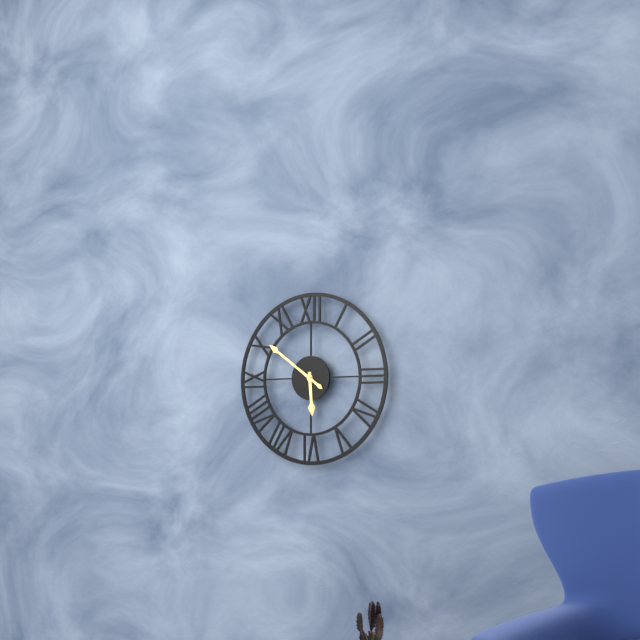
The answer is **5:51**
